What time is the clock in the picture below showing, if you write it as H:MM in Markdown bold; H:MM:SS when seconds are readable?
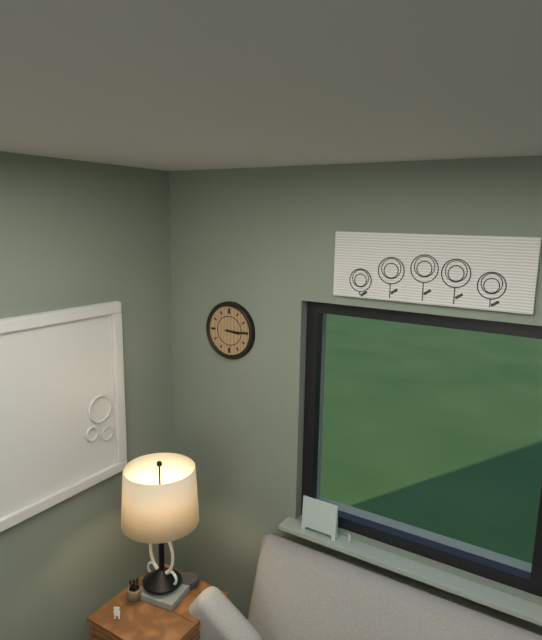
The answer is **3:15**
